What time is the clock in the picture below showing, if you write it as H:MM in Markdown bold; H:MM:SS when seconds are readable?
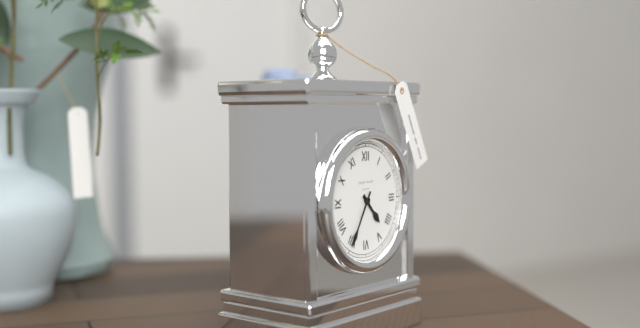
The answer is **4:35**
